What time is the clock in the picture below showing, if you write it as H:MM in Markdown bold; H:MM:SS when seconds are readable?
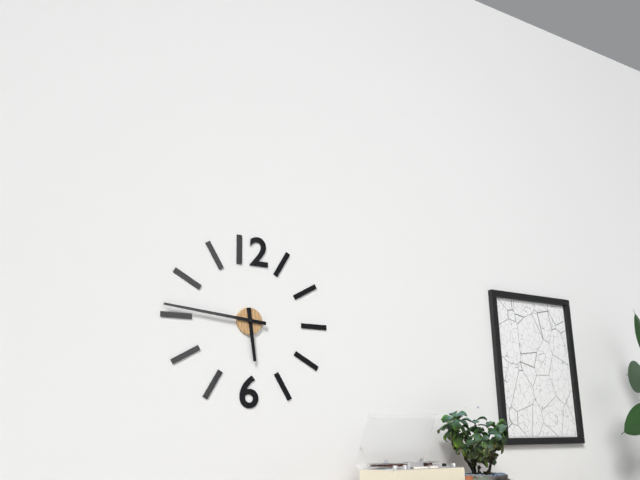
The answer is **5:46**
